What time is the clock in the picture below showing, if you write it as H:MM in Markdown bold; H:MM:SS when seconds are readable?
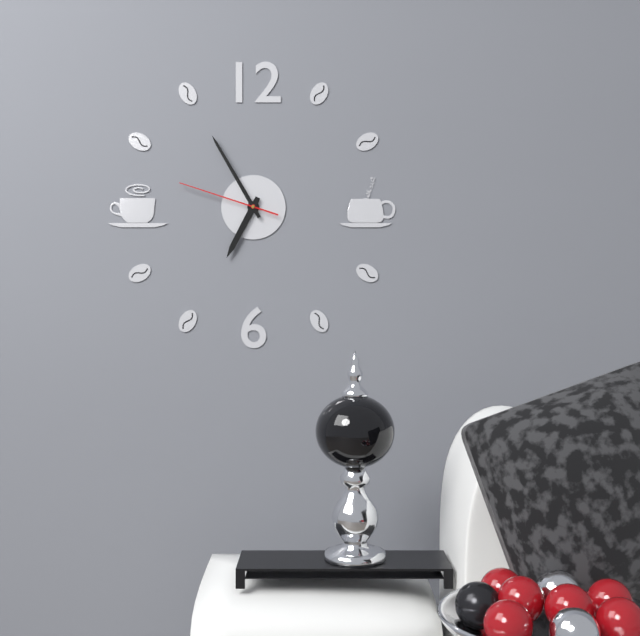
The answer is **6:55:48**
